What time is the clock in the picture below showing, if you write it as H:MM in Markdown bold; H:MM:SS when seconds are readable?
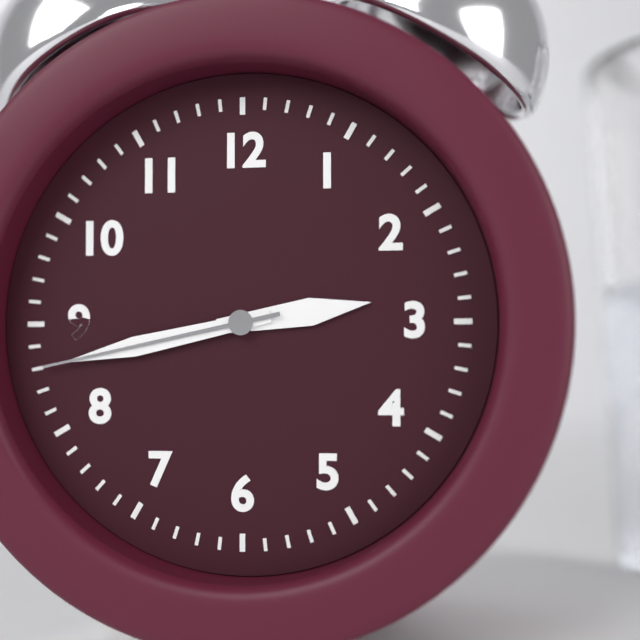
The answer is **2:43:43**
